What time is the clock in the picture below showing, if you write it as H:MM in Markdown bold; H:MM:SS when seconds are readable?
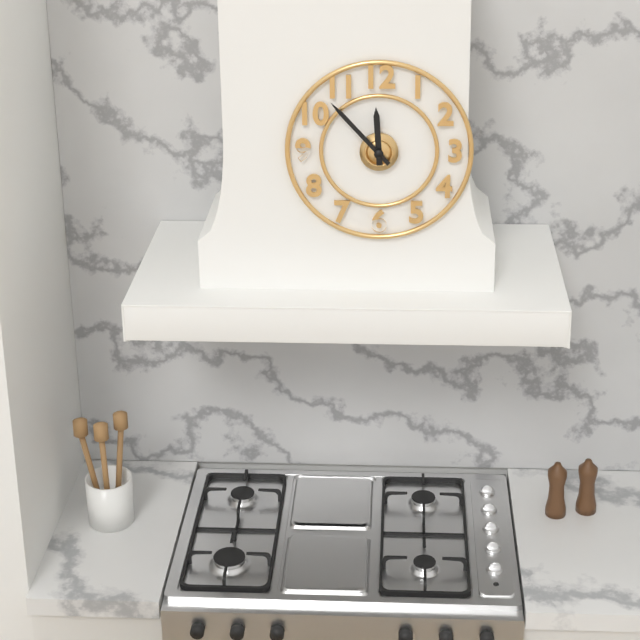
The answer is **11:53**
